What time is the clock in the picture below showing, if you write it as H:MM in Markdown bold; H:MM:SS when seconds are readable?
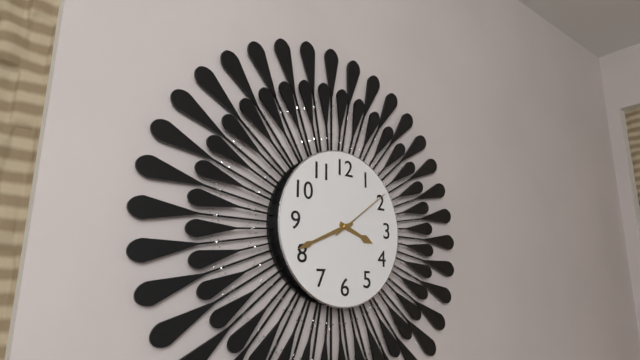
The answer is **3:41:09**
